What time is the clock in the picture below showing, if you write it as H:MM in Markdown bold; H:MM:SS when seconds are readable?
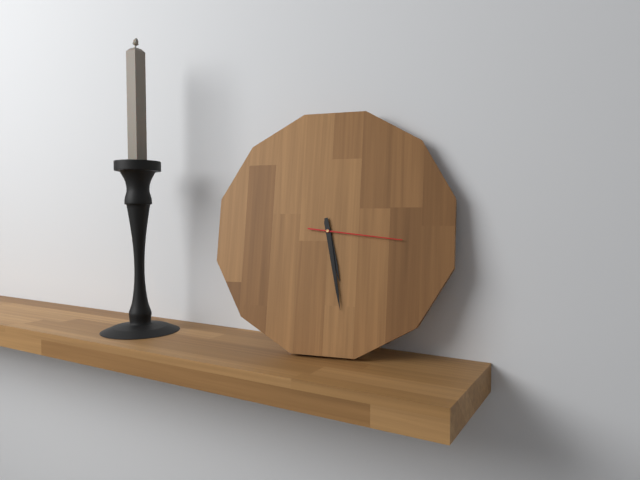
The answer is **5:28:16**
